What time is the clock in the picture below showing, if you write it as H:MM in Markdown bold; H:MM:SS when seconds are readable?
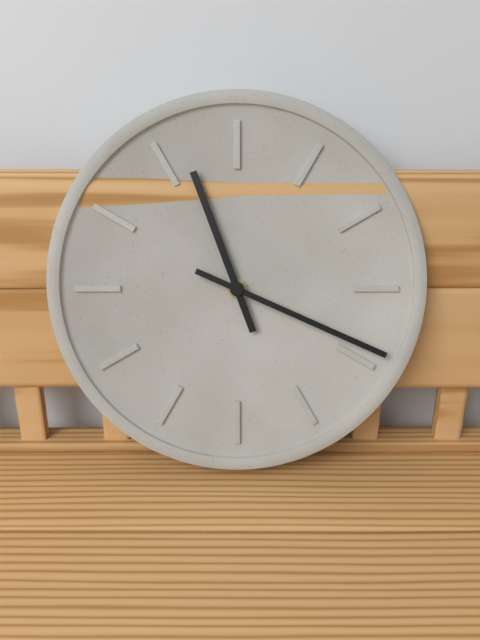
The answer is **11:19**
